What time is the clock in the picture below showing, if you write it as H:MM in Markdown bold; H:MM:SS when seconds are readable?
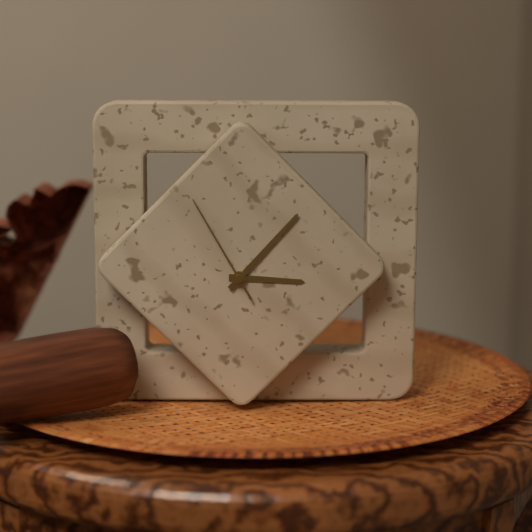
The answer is **3:07:55**
